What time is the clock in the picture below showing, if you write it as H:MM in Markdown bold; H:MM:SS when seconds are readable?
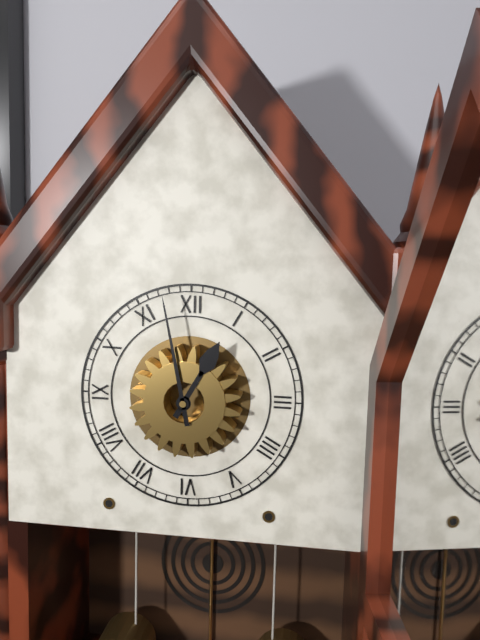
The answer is **12:58**
